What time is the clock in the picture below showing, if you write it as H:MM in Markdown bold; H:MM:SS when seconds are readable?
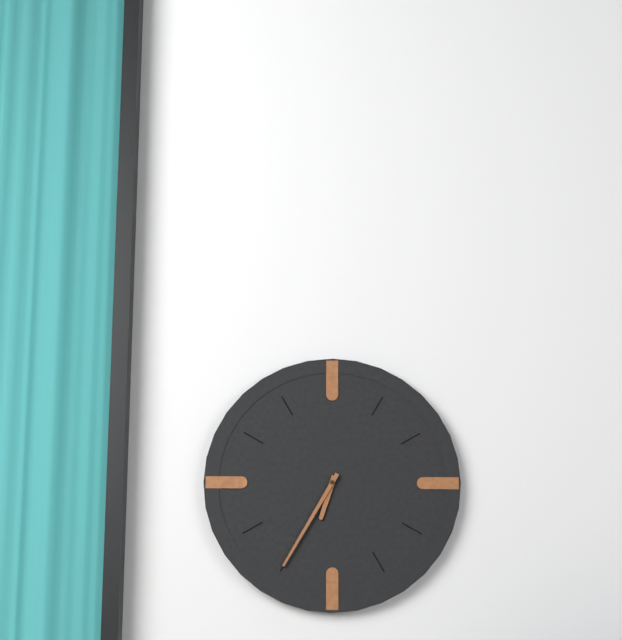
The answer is **6:35**
